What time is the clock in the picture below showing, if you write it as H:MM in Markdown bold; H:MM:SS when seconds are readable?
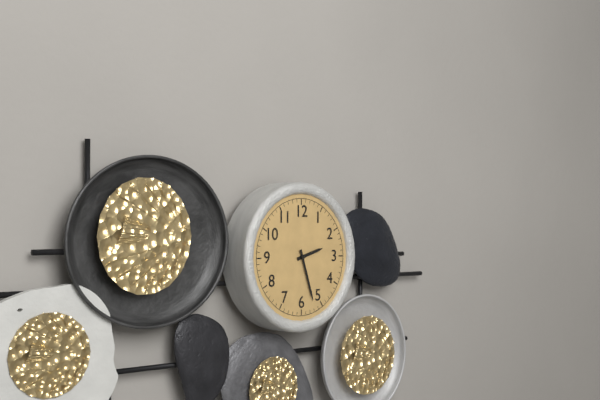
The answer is **2:27**
